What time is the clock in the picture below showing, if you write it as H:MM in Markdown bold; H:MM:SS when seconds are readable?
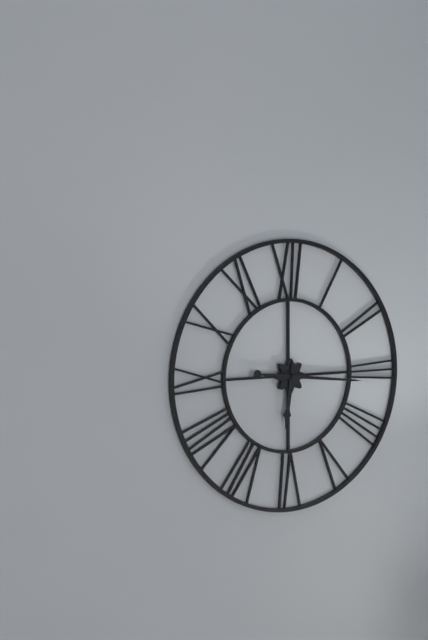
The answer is **6:16**
